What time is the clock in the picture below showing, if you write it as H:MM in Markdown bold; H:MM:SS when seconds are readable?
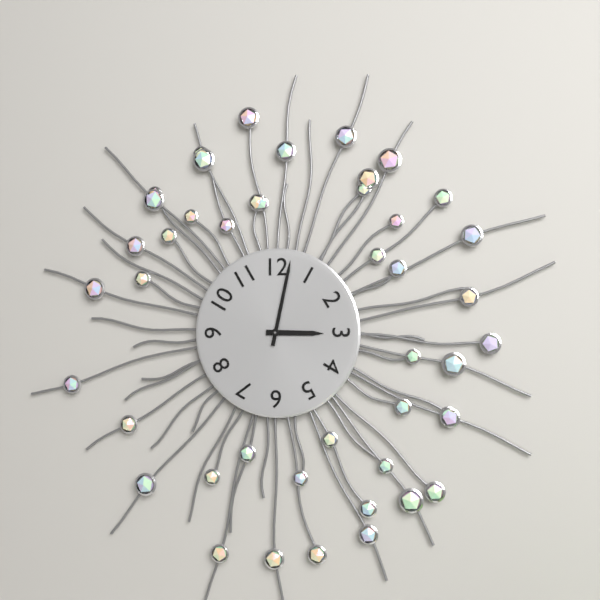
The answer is **3:02**
